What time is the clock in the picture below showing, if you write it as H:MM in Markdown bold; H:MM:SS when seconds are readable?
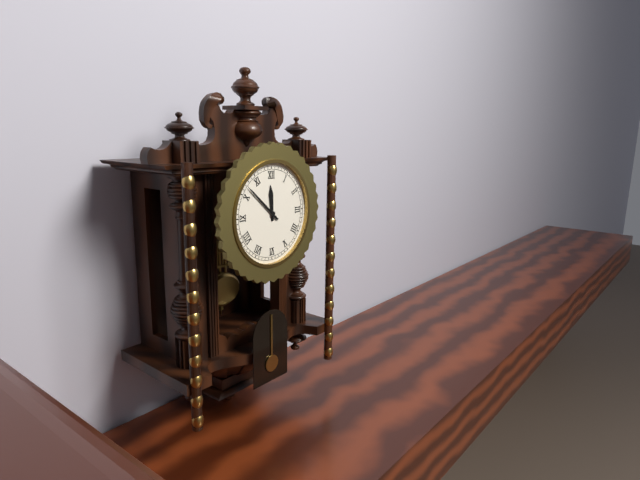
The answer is **11:52**
